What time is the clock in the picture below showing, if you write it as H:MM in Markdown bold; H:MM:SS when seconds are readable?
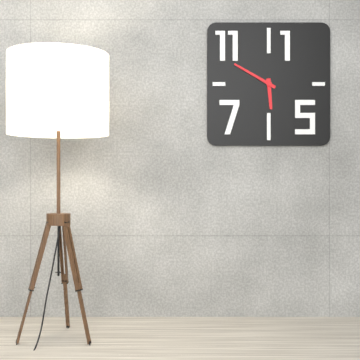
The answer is **5:50**
